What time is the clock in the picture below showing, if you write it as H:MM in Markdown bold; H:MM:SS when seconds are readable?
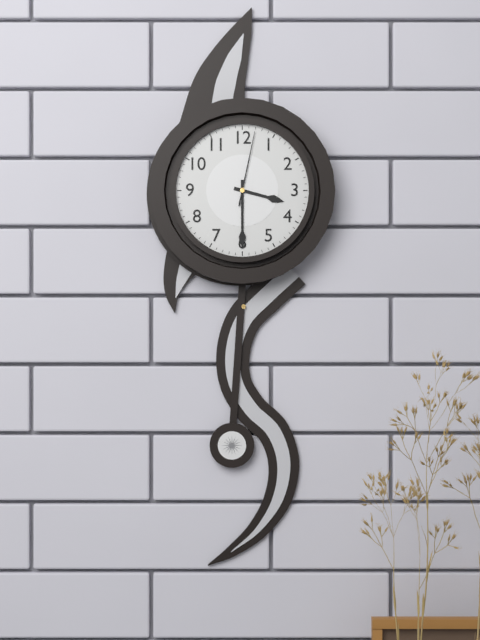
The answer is **3:30:02**
